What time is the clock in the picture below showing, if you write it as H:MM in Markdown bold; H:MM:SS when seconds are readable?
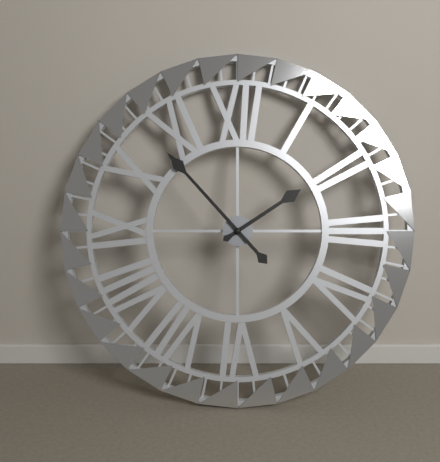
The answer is **1:53**
